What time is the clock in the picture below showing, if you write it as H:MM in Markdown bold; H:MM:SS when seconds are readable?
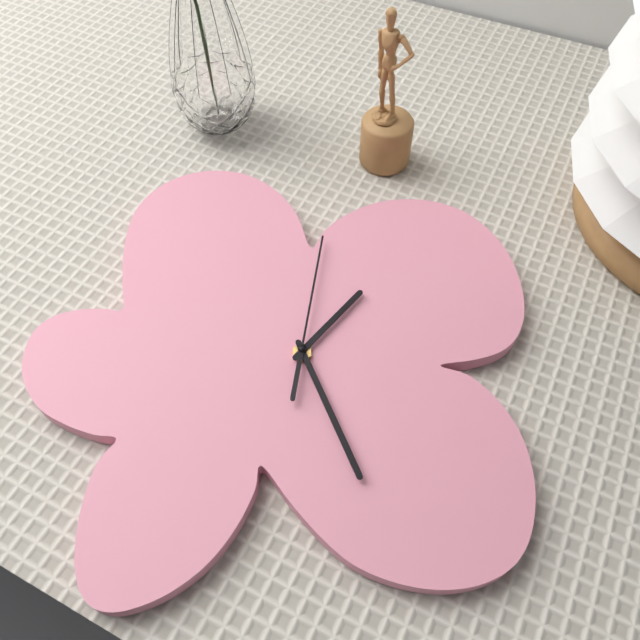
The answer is **1:27:02**
